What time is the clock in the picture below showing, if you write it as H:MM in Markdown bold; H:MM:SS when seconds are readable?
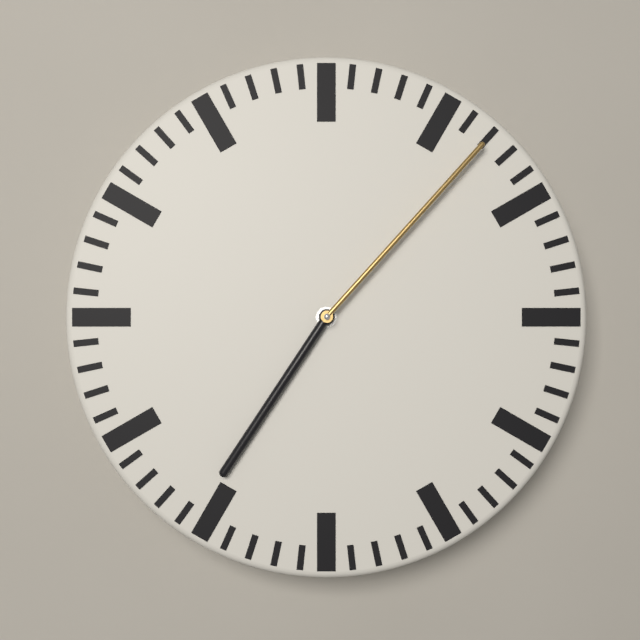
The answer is **7:07**
